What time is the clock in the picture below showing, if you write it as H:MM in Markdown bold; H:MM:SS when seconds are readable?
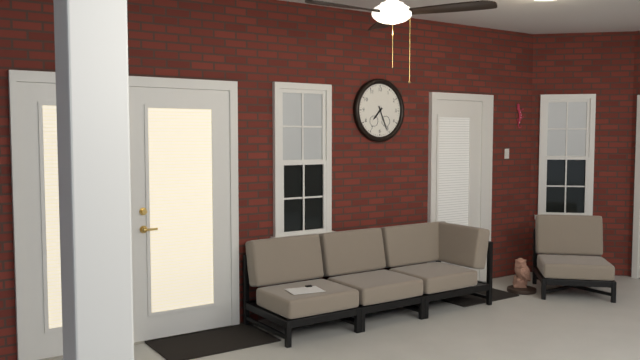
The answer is **7:26**
